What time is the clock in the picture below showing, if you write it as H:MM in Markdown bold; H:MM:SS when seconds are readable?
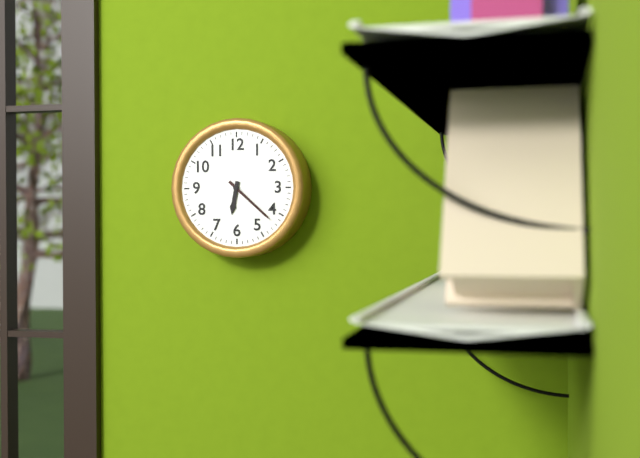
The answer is **6:22**
